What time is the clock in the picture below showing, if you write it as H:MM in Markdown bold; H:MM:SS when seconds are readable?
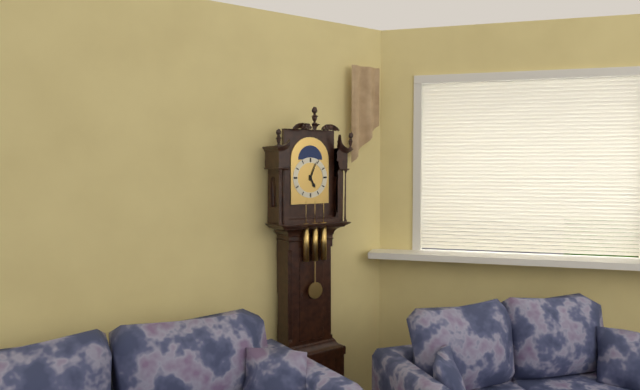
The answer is **5:04**
